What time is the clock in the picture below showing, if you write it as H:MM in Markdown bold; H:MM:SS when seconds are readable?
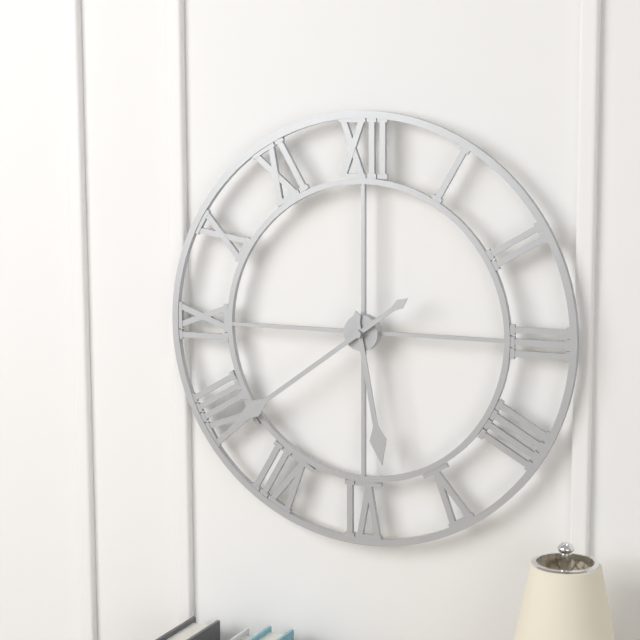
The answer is **5:39**
